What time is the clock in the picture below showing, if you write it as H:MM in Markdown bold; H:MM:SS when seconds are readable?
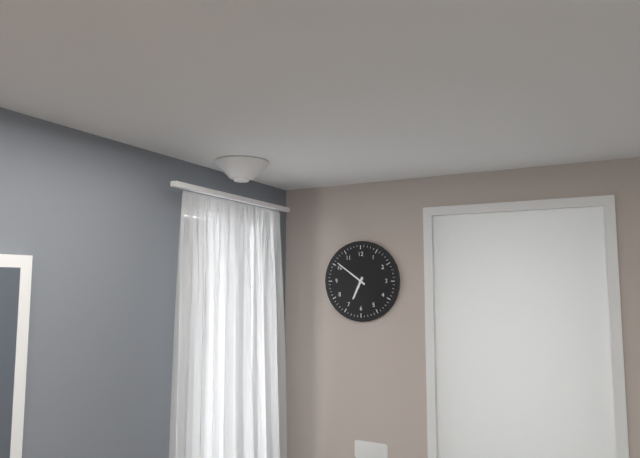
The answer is **6:51**
